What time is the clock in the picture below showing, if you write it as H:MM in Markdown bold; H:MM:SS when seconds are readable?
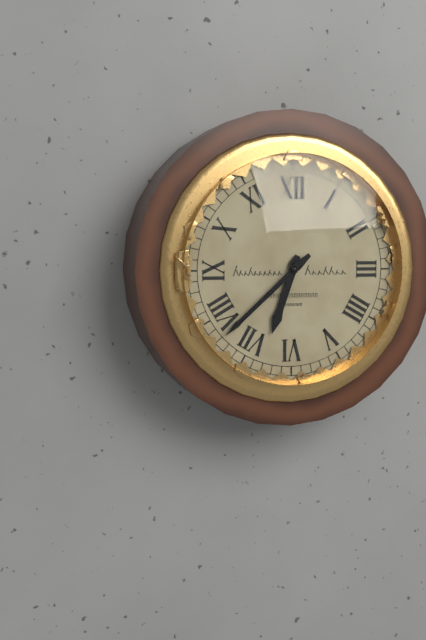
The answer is **6:38**
